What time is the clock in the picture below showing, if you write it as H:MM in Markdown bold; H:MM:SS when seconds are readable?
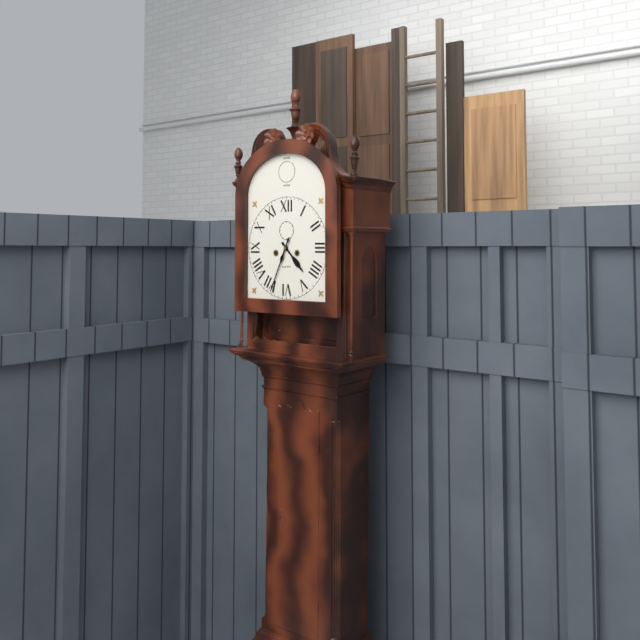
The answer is **4:34**
